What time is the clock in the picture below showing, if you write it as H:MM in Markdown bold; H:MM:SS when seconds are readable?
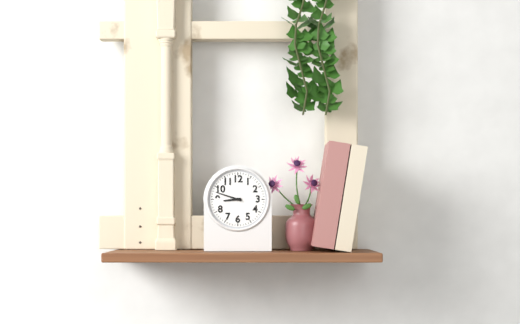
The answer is **8:48**
